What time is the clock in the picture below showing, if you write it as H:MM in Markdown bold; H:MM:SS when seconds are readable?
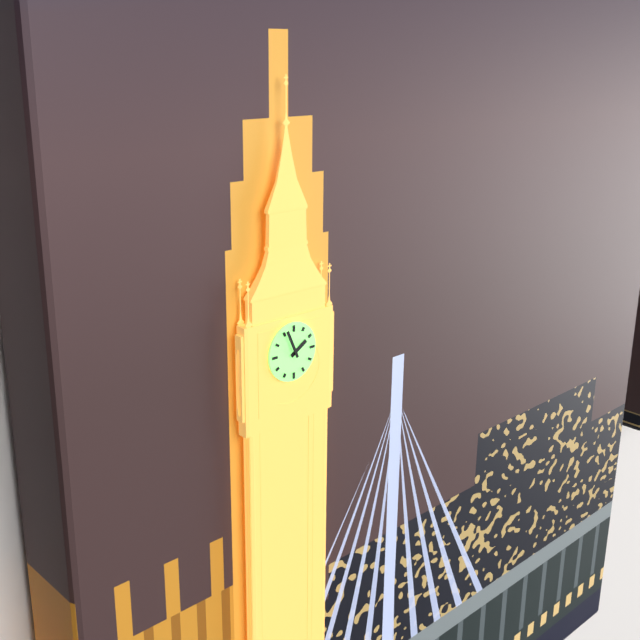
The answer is **1:56**
